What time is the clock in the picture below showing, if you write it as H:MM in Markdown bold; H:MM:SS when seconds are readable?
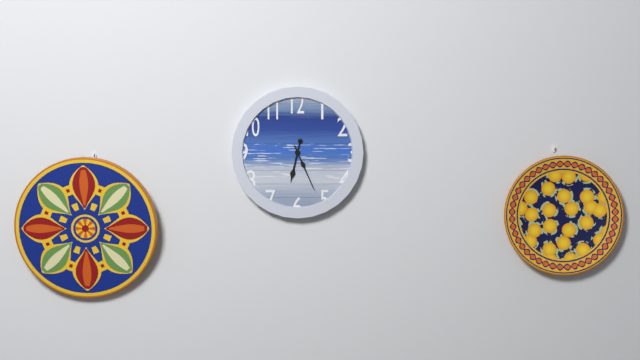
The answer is **6:26**
